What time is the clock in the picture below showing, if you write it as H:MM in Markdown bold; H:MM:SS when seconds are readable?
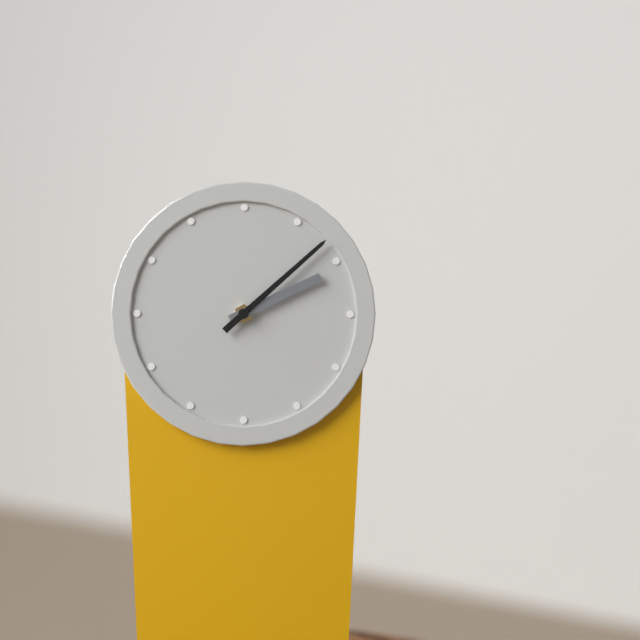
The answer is **2:08**
